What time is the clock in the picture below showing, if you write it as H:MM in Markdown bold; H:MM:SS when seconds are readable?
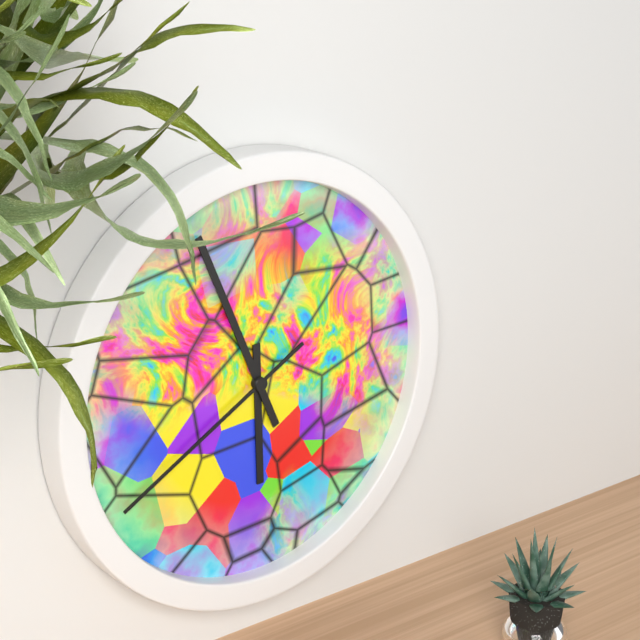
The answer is **5:56:40**
